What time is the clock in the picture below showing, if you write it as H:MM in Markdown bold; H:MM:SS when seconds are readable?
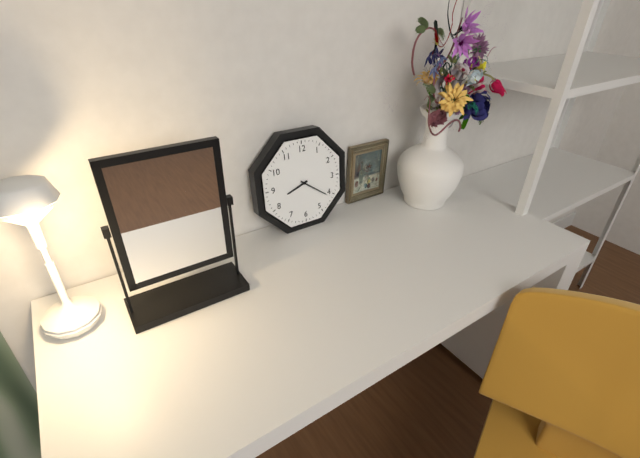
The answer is **8:21**
